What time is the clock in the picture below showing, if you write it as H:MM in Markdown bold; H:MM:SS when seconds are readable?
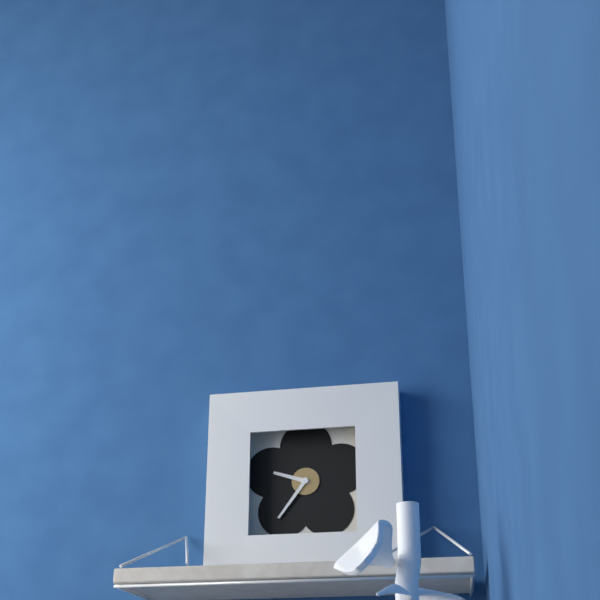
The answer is **9:36**
